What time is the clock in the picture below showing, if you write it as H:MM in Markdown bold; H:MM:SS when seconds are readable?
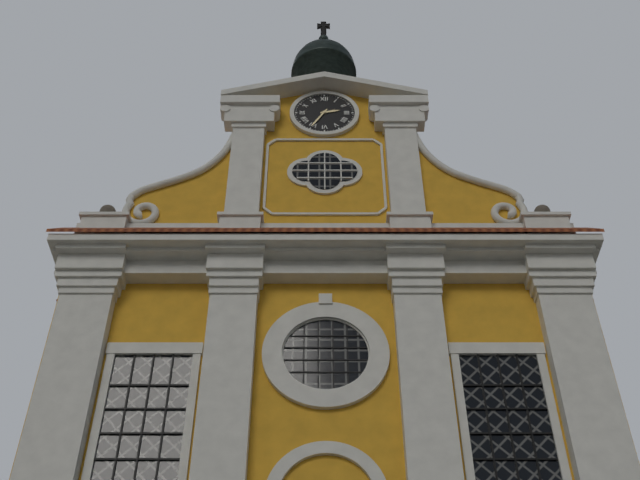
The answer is **2:35**
